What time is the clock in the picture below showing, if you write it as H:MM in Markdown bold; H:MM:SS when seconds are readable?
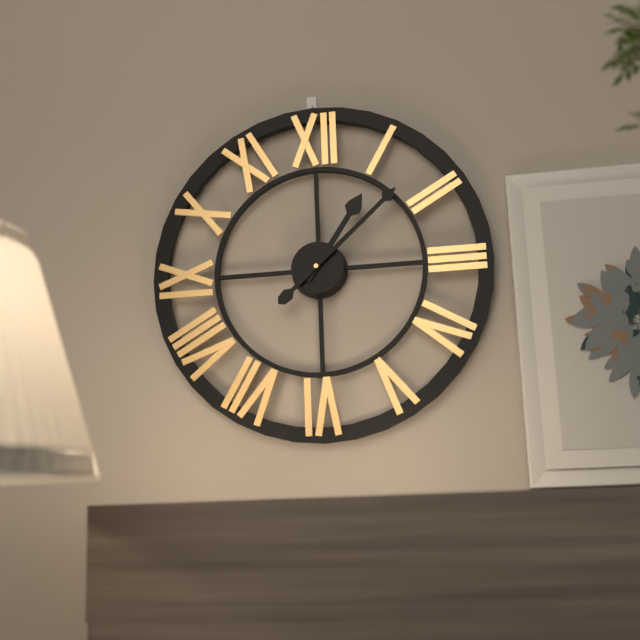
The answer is **1:08**
